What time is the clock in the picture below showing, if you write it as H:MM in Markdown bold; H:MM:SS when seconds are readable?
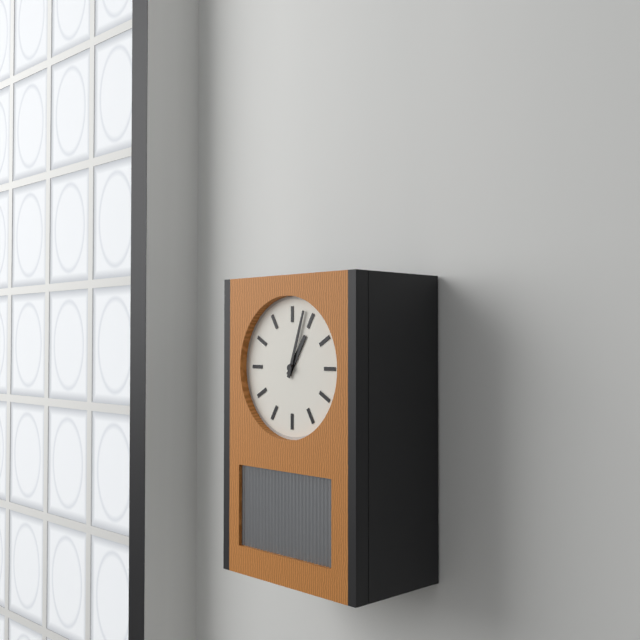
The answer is **1:03**
